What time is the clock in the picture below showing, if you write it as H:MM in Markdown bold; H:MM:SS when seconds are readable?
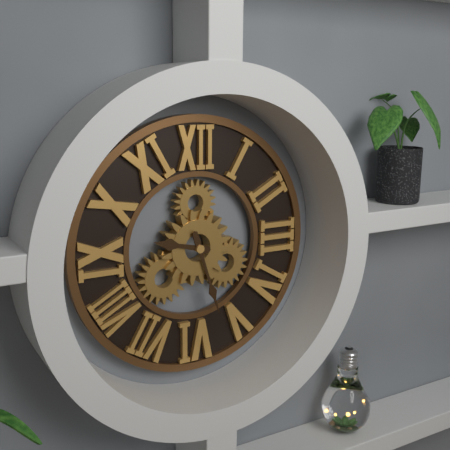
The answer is **9:27**
